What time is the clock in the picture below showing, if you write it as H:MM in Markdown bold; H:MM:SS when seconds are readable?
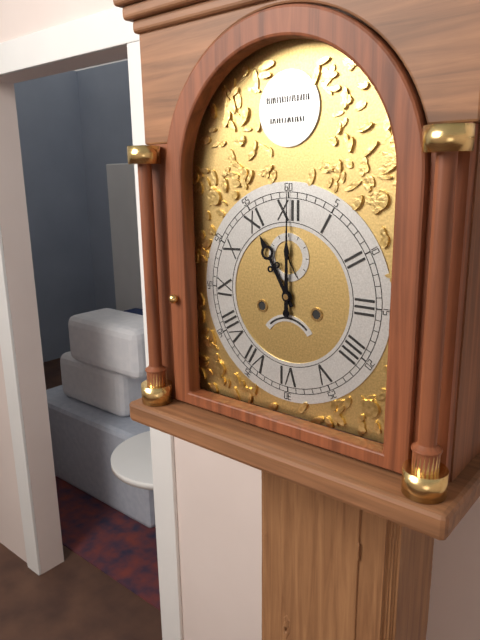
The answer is **11:00**
